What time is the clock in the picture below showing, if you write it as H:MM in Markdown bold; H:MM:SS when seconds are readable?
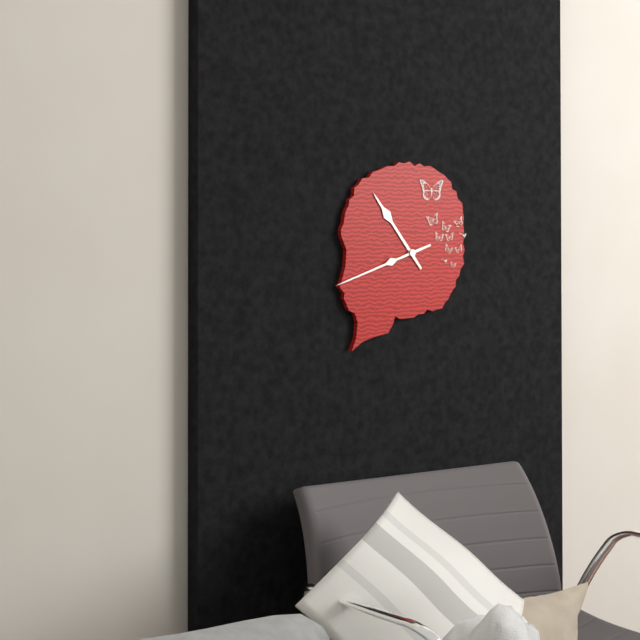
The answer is **10:42**
